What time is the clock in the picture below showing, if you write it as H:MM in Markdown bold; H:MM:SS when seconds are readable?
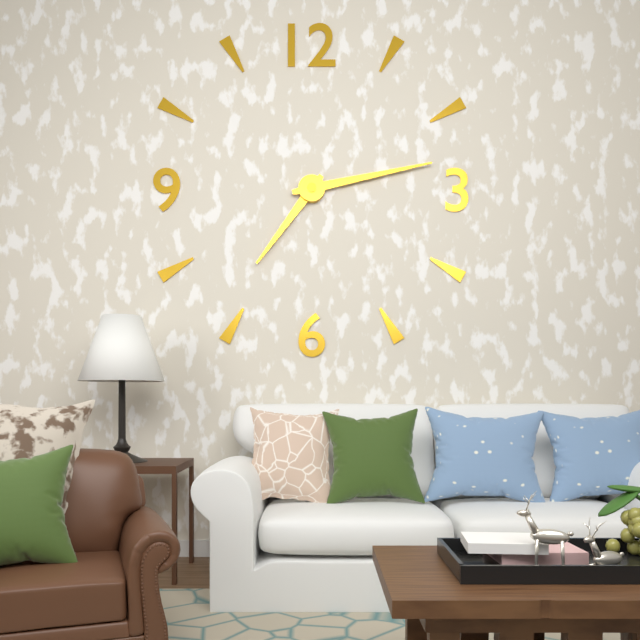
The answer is **7:13**
